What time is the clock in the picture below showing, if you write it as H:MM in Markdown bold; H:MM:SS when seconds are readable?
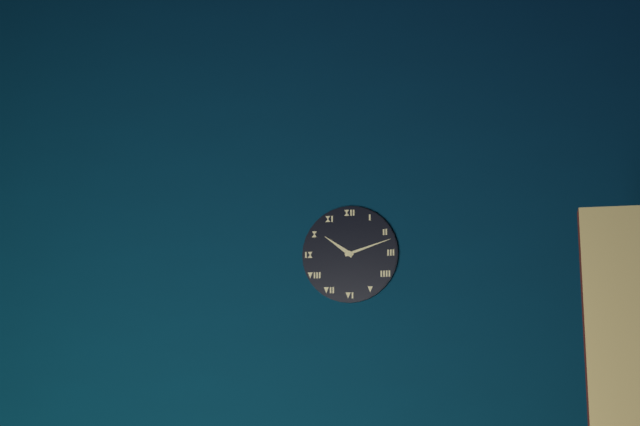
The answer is **10:12**
